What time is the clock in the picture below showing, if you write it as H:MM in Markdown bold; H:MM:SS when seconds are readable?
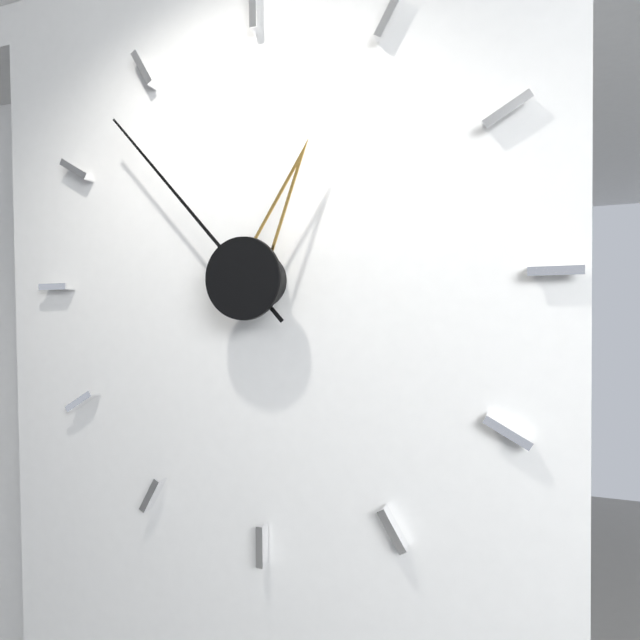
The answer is **12:53**
